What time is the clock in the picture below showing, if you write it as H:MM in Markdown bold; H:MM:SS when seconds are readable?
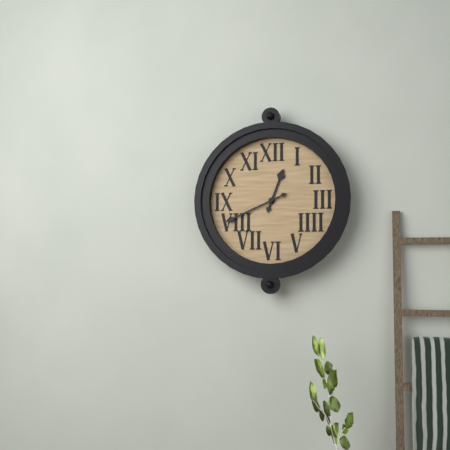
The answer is **12:41**
